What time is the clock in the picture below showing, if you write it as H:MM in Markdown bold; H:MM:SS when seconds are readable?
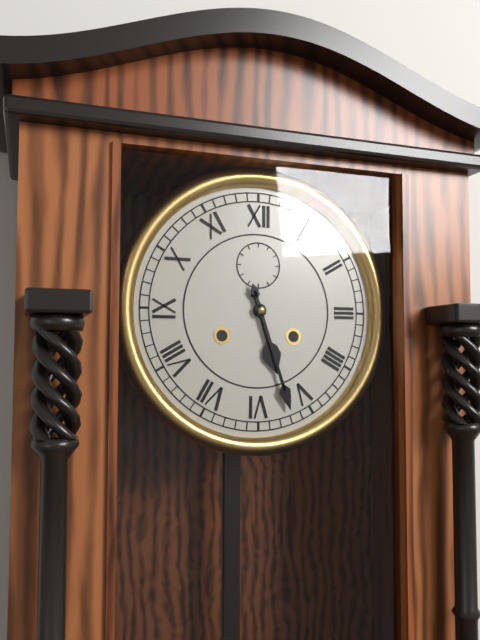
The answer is **5:27**
